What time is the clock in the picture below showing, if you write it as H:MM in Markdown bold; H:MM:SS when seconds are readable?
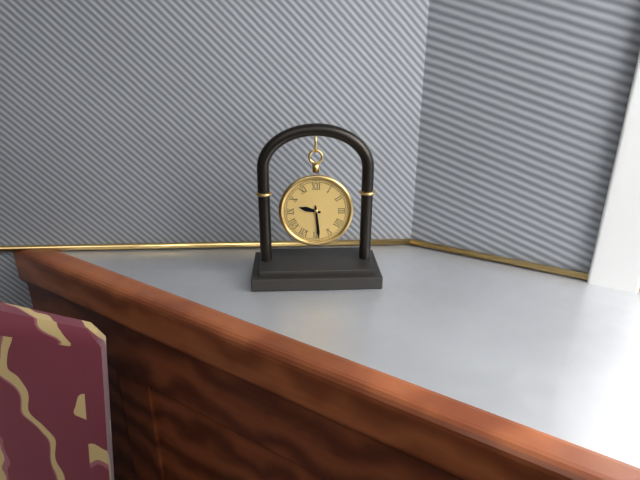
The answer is **9:29**
